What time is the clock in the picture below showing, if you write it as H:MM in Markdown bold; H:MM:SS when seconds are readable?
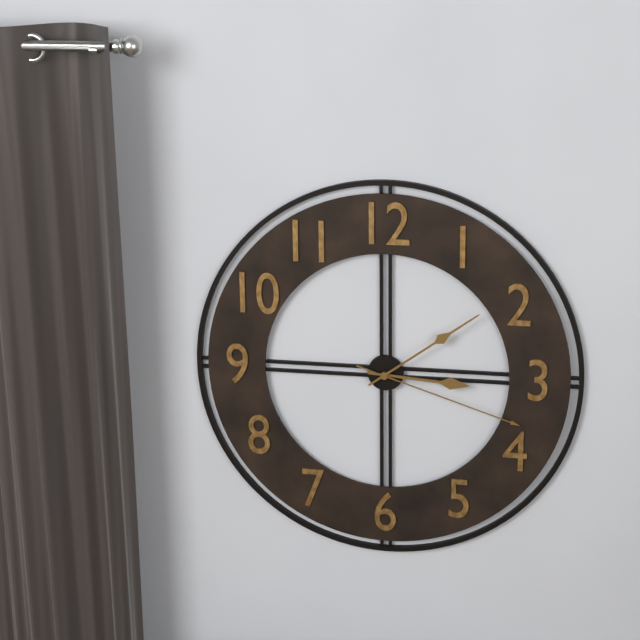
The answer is **3:09:18**
